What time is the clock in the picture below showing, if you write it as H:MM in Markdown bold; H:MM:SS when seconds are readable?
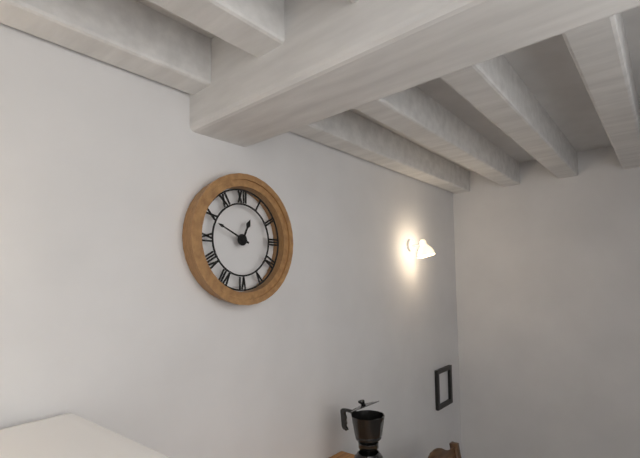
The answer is **12:49**
